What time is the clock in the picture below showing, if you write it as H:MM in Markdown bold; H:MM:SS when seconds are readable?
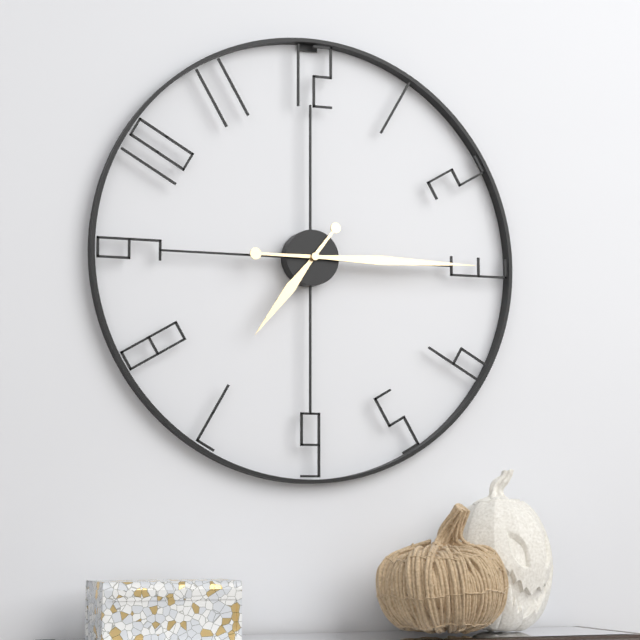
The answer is **7:15**
